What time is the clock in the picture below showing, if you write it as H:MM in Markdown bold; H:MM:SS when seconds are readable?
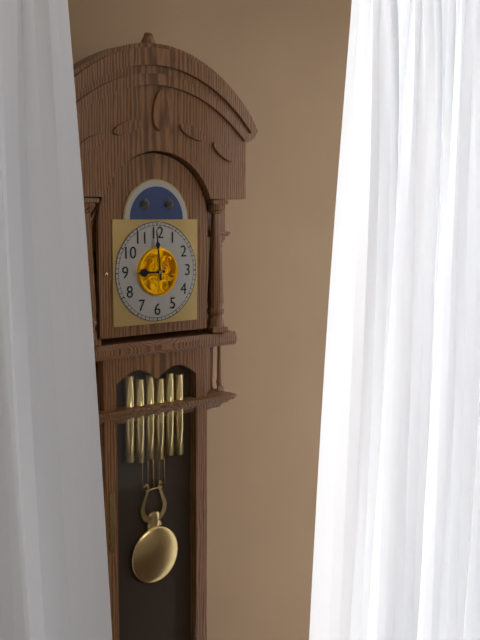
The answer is **8:59**
